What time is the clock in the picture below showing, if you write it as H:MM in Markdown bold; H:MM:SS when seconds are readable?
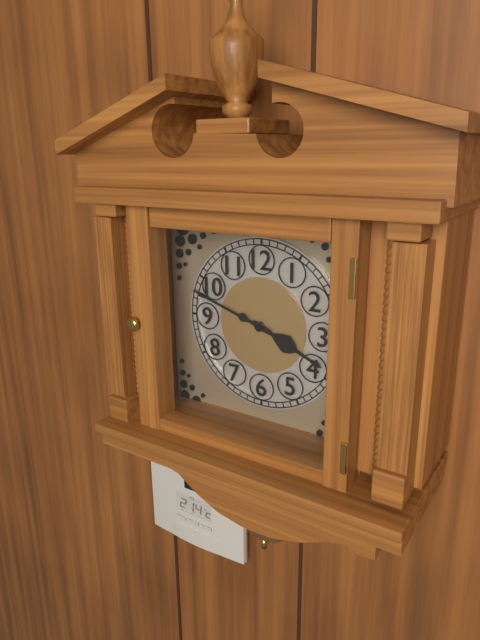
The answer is **3:48**
